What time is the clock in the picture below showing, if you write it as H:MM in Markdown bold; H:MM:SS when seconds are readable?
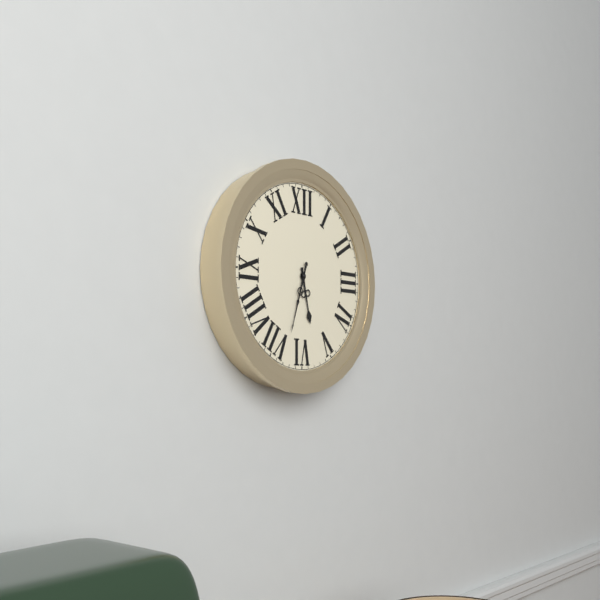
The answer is **5:33**
